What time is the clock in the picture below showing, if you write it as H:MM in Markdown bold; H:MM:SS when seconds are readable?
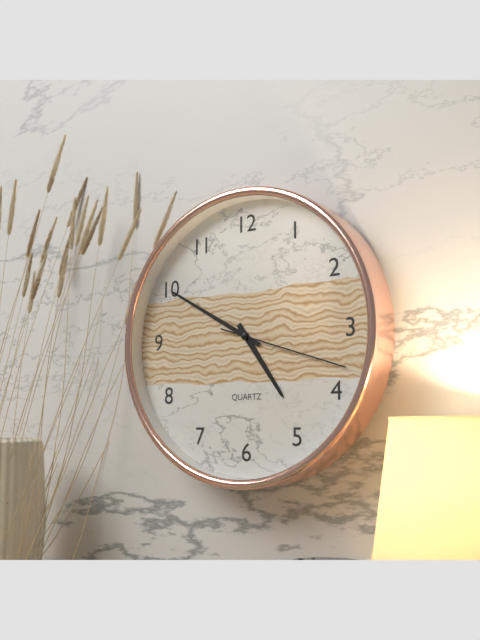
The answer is **4:50:18**
